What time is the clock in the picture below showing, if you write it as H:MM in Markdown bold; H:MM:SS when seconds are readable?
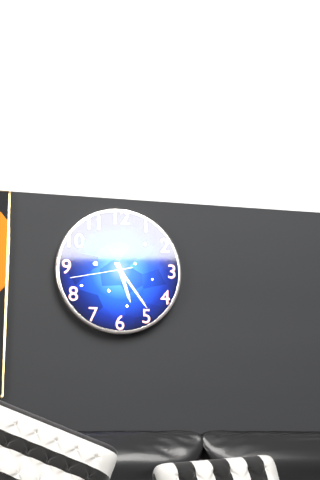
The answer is **5:24:43**
